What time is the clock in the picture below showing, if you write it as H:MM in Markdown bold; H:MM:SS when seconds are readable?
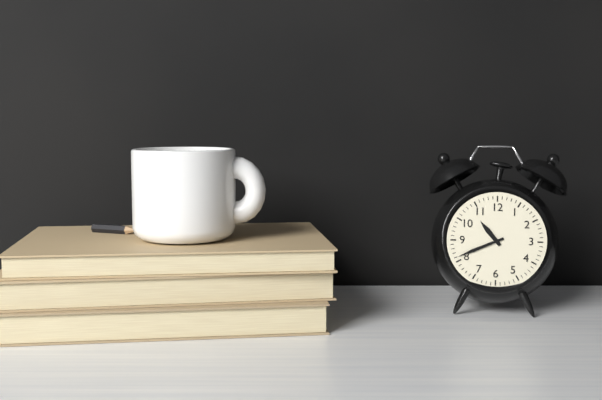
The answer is **10:41**
